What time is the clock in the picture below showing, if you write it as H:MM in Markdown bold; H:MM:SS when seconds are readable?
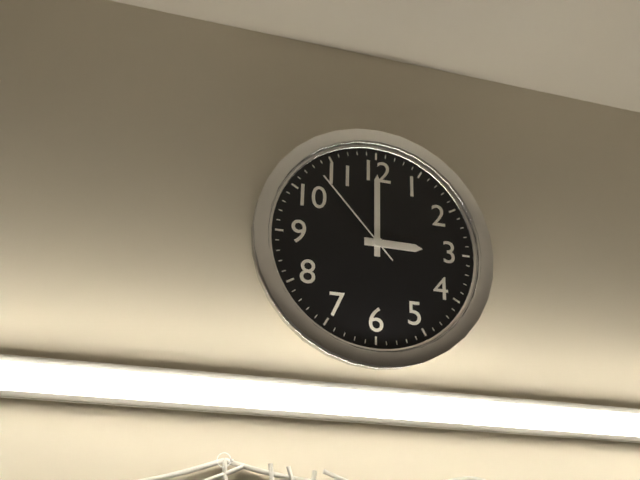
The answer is **3:00:53**
